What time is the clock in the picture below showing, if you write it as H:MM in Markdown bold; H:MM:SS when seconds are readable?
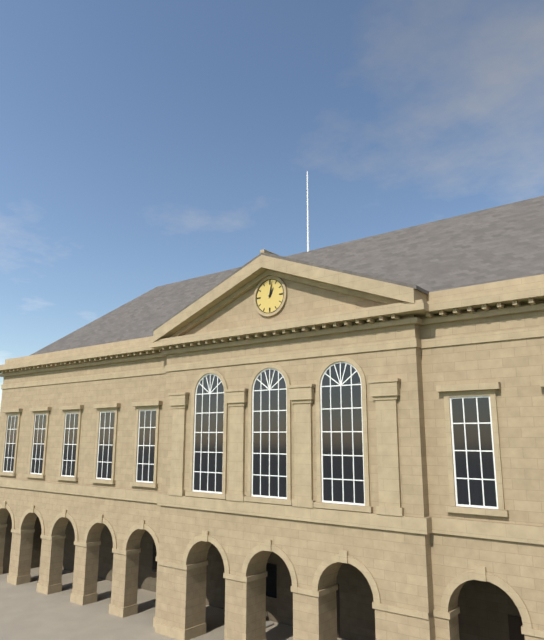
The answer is **1:02**
